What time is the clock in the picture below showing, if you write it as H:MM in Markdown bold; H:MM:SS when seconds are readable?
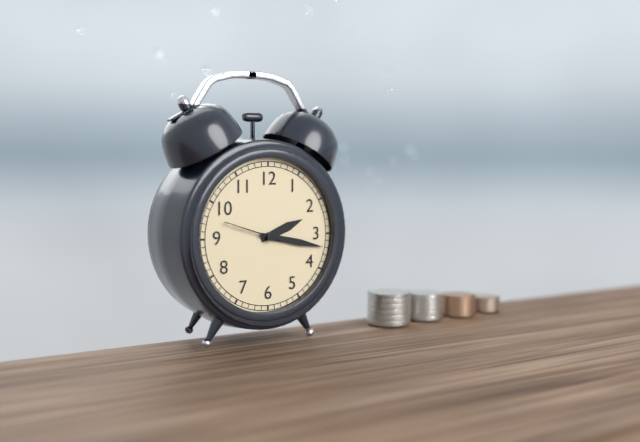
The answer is **2:17:48**
